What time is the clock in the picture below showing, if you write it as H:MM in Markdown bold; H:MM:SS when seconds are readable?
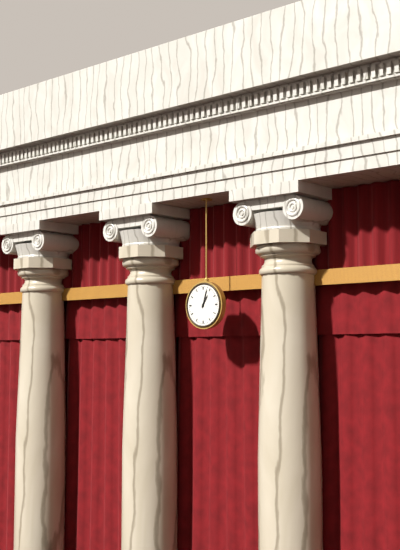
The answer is **1:03**
